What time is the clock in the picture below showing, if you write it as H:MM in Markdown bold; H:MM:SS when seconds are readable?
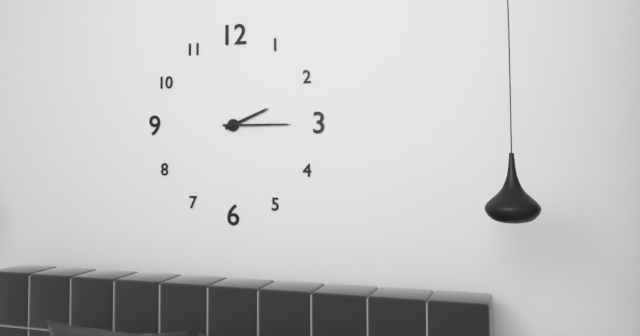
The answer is **2:15**
